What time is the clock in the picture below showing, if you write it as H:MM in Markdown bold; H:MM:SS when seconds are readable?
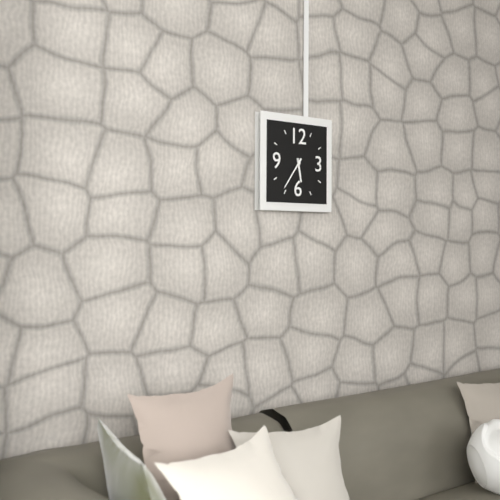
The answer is **5:36**
